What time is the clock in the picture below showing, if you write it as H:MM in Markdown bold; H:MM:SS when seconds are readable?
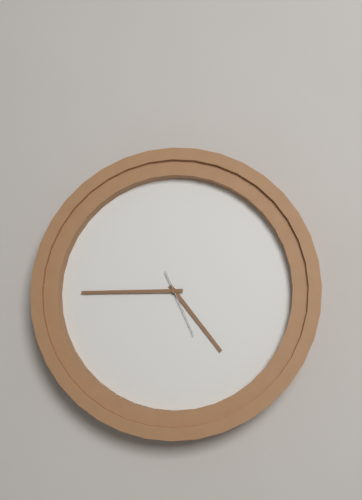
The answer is **4:45:26**
